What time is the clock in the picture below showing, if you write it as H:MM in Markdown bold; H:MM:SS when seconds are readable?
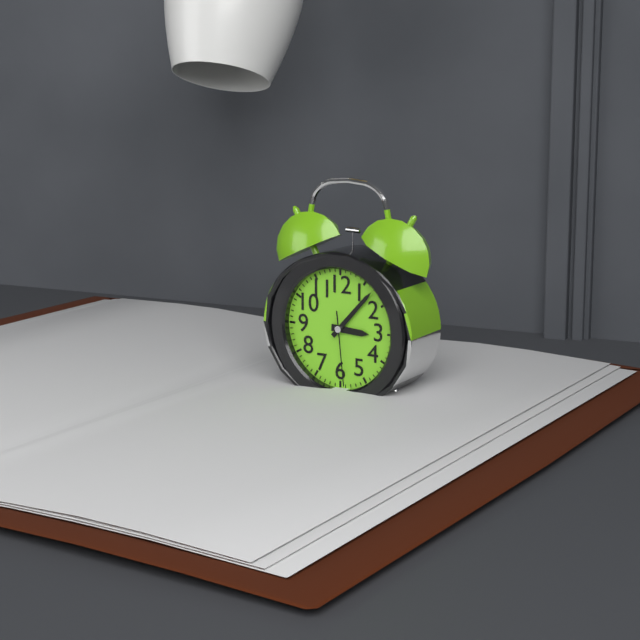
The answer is **3:07:29**
